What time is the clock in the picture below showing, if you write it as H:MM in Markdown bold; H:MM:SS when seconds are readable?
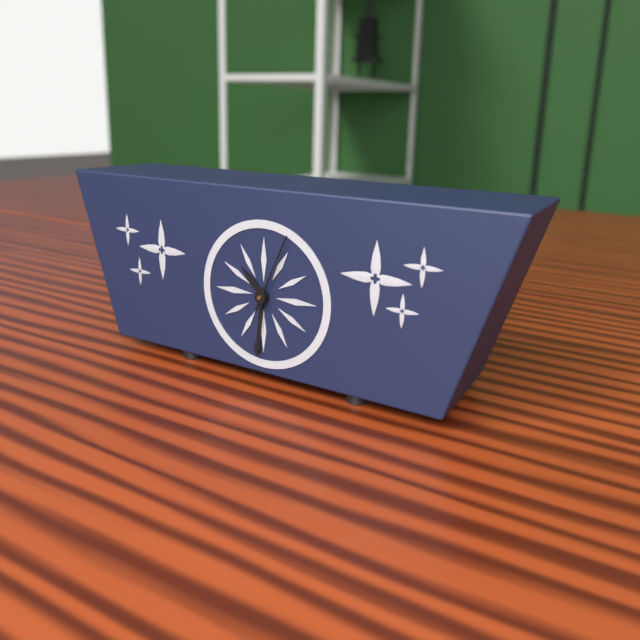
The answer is **10:31:04**
